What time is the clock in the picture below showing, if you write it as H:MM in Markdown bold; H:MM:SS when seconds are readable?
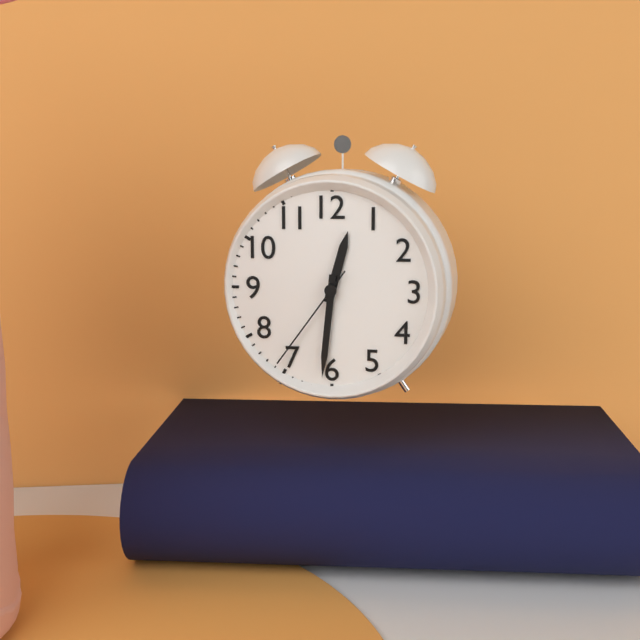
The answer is **12:31:36**
